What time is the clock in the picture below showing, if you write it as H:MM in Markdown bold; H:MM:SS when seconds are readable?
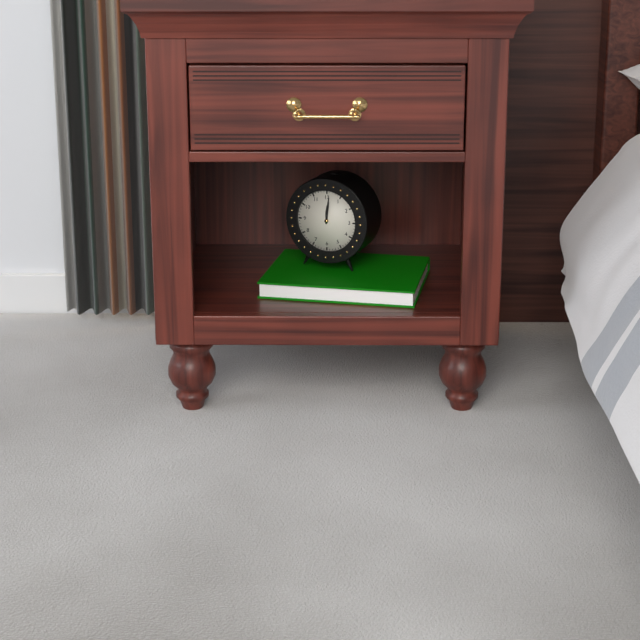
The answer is **12:01**
